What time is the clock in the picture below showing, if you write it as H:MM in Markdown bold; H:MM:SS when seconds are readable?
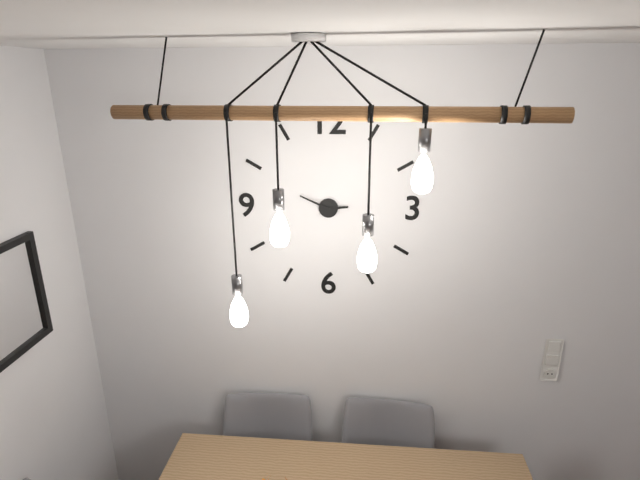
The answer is **2:49**
